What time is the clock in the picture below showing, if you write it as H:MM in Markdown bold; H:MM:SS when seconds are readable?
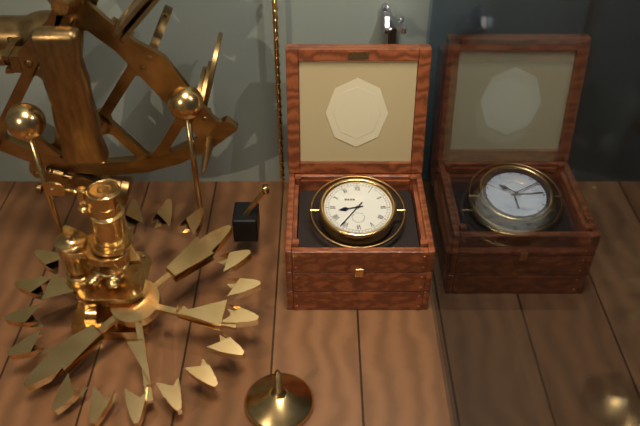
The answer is **8:36**
